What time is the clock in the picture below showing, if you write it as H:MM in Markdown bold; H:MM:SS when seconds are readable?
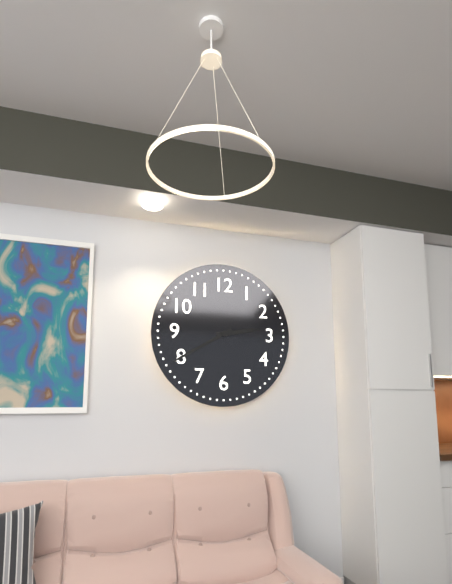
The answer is **2:40**
